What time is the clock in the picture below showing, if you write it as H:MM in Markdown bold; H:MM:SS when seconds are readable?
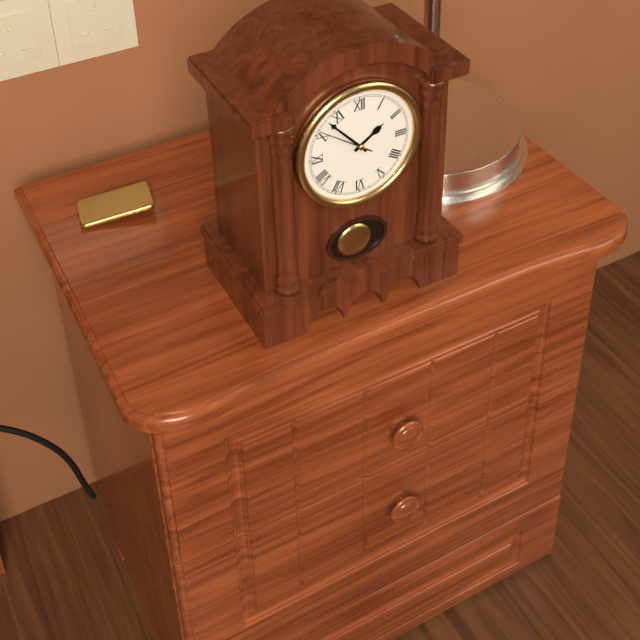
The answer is **1:53:51**
